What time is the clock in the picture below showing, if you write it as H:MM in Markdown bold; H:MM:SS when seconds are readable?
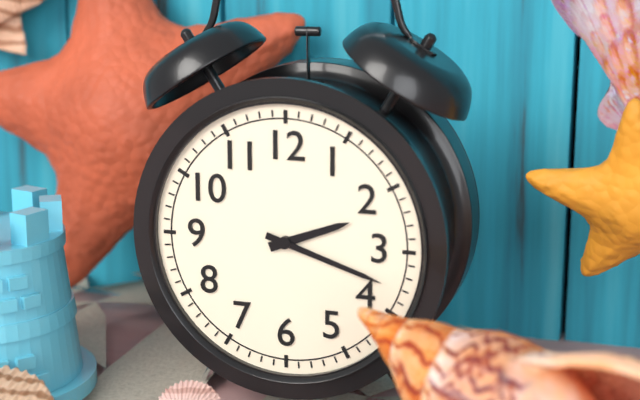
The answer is **2:18**
